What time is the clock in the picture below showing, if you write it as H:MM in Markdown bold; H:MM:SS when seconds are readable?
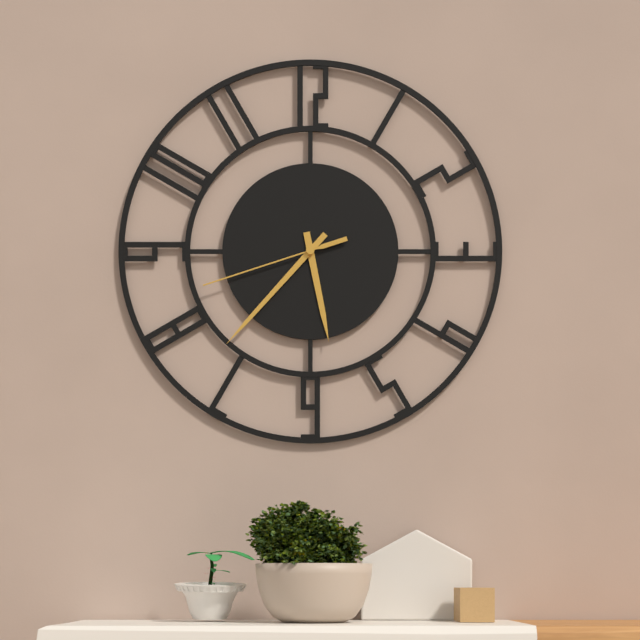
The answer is **5:37:42**
